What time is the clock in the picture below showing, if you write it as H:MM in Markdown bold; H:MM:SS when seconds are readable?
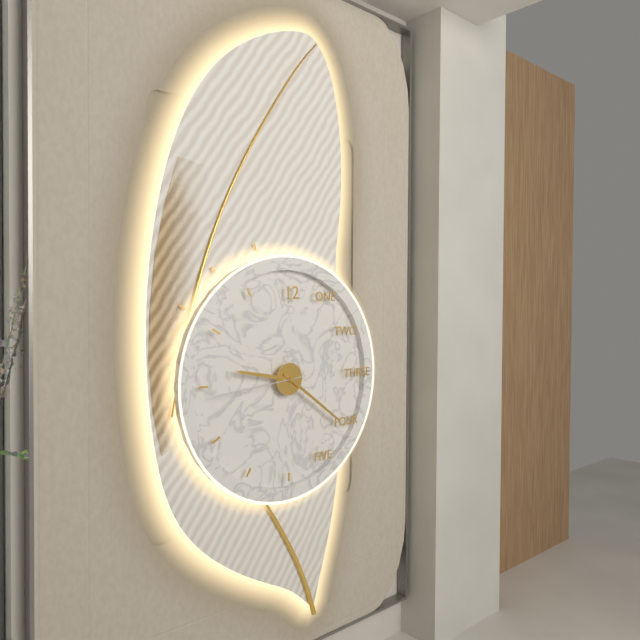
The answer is **9:21:44**
